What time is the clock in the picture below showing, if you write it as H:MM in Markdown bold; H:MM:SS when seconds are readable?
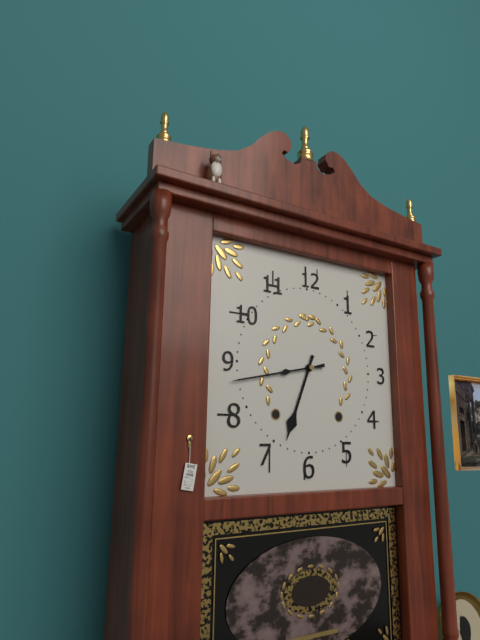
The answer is **6:43**
